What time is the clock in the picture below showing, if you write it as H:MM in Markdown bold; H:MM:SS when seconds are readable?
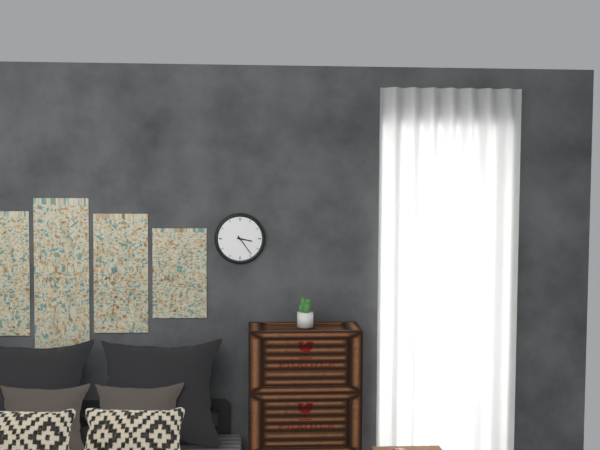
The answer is **3:24**
